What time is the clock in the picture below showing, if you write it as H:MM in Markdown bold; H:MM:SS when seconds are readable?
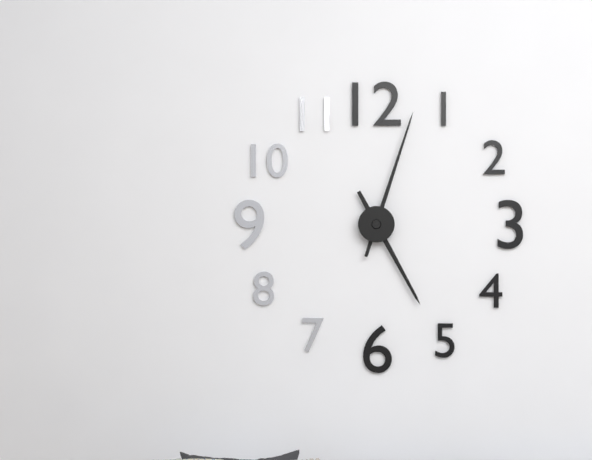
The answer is **5:03**
